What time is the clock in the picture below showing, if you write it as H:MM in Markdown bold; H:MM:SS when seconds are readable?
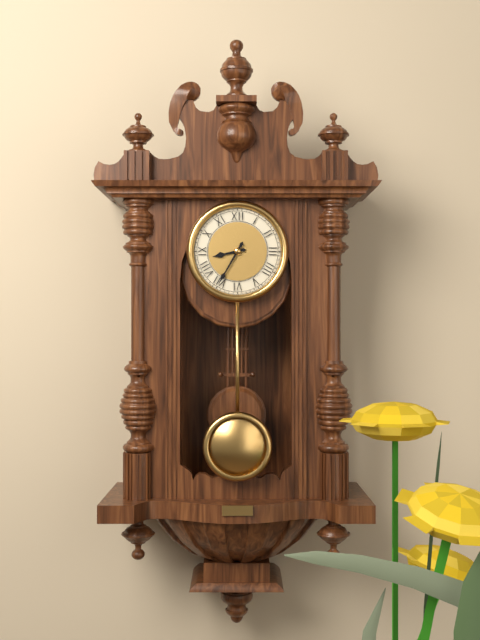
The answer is **8:35**
